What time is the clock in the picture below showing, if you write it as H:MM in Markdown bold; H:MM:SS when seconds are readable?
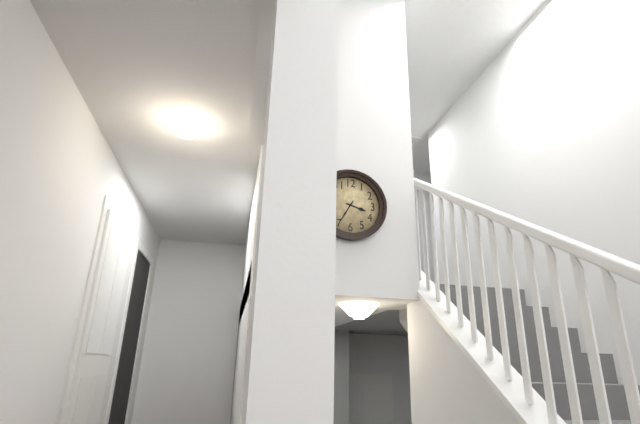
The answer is **3:35**
